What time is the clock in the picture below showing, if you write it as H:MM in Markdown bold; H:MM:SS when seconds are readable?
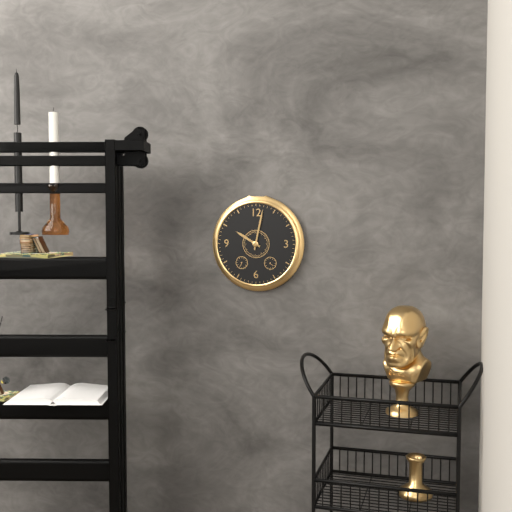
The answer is **10:02**
